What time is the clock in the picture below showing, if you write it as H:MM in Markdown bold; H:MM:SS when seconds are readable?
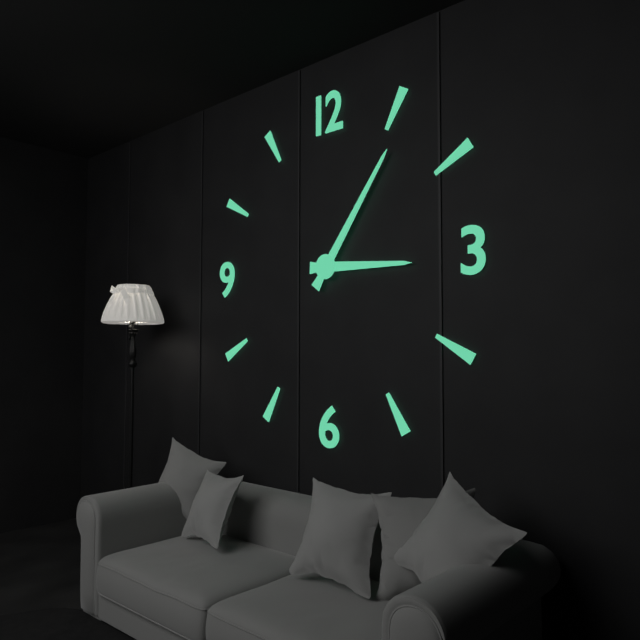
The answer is **3:06**
